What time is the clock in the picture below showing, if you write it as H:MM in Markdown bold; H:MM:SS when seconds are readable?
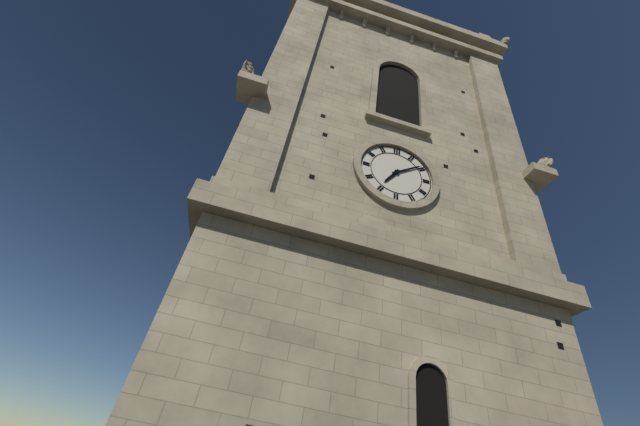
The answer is **7:09**
